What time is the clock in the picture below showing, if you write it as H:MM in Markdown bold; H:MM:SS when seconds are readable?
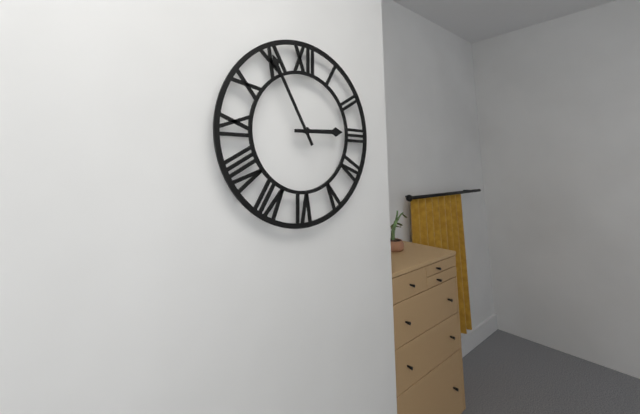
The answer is **2:55**
